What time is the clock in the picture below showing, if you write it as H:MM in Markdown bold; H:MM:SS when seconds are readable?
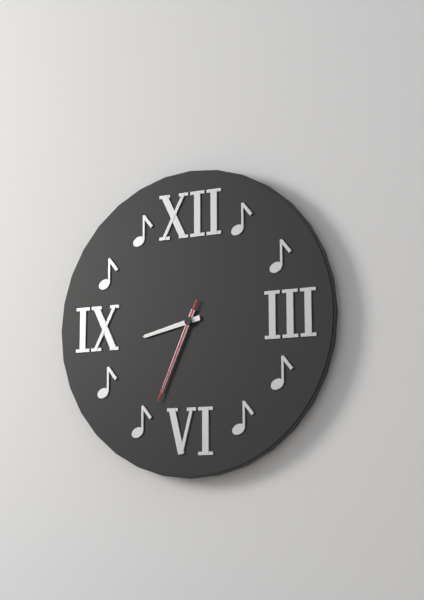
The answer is **8:34:34**
